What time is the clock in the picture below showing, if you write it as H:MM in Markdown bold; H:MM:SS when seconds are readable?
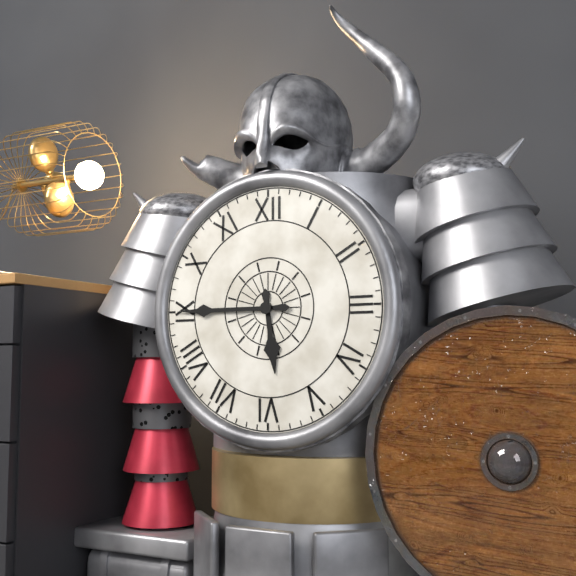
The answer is **5:45**
